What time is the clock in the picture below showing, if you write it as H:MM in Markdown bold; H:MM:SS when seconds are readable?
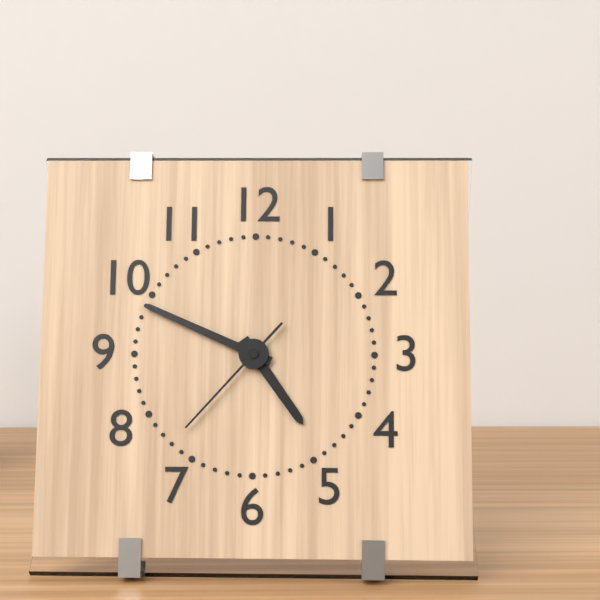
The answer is **4:49:37**
